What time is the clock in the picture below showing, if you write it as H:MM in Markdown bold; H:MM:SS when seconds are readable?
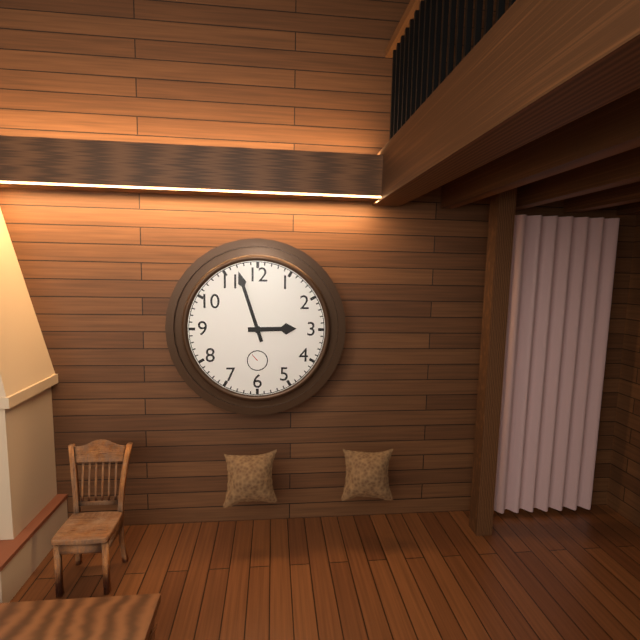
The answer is **2:57**
